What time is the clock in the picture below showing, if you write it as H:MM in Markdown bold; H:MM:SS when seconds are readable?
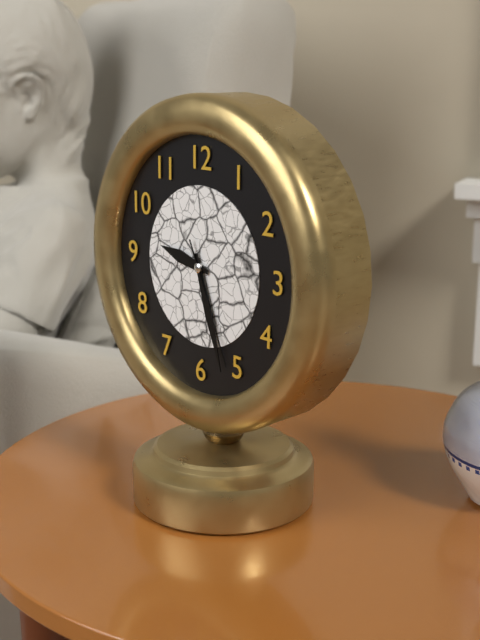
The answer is **9:27:26**
